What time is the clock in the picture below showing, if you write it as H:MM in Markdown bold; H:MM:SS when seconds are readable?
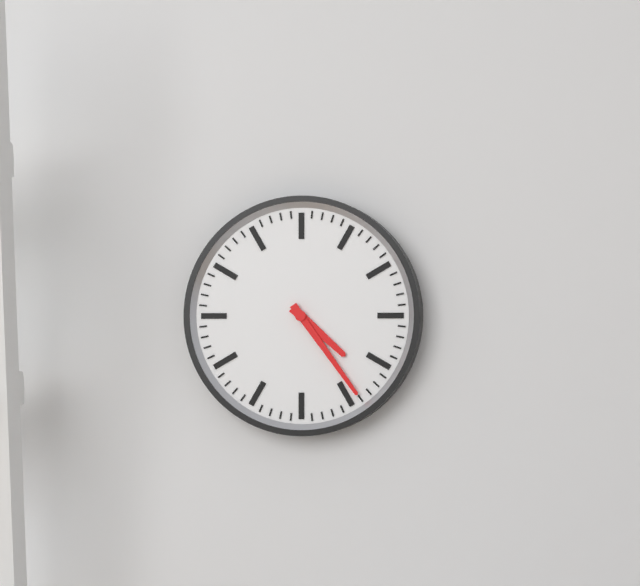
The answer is **4:24**
